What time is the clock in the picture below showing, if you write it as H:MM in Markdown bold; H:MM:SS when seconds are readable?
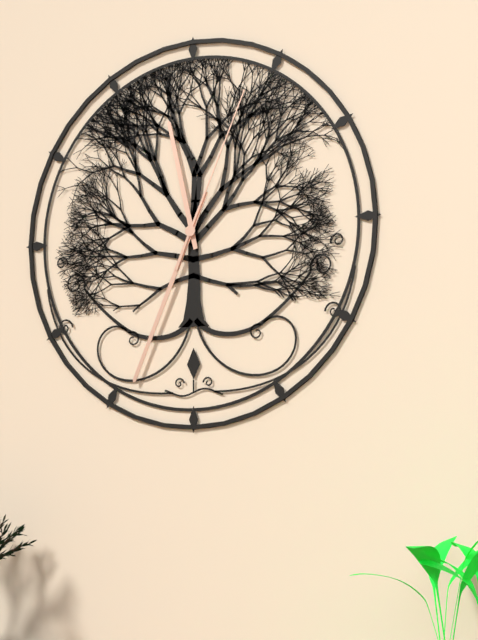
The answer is **11:34:04**
